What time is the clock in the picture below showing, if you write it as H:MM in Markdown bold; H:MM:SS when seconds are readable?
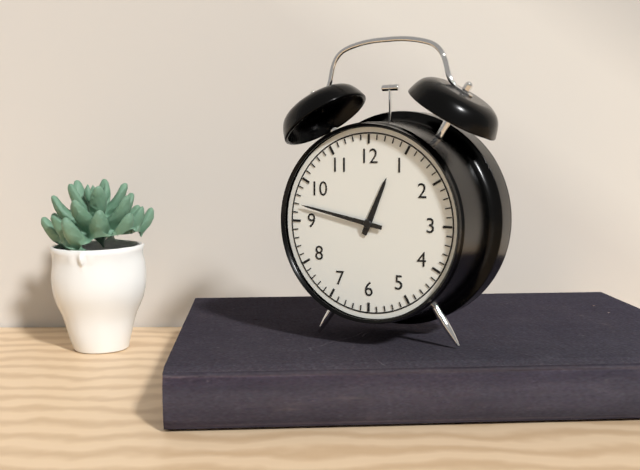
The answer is **12:47**
